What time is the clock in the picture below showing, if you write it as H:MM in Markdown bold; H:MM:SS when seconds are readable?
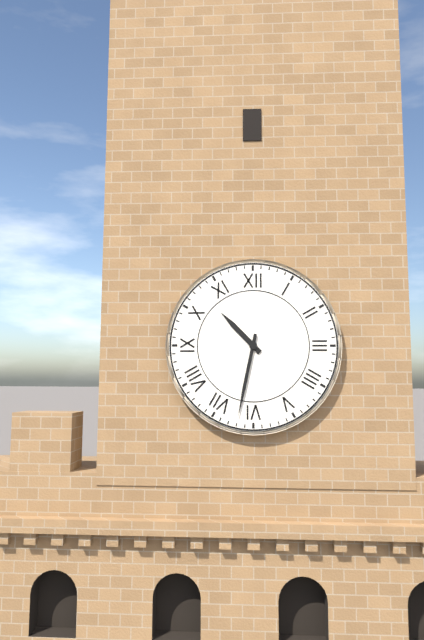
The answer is **10:32**
